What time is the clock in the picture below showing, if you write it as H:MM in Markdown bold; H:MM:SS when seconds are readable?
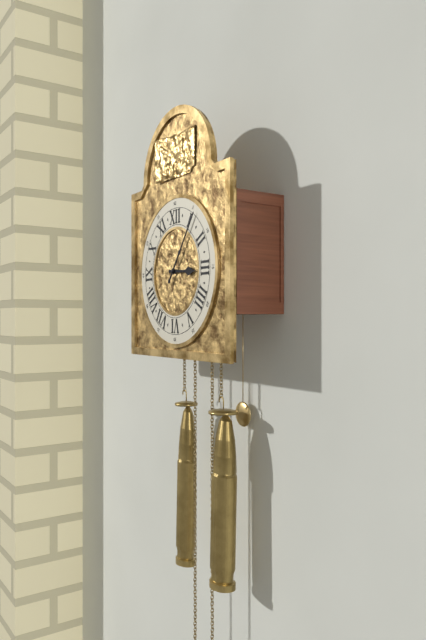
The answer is **3:06**
